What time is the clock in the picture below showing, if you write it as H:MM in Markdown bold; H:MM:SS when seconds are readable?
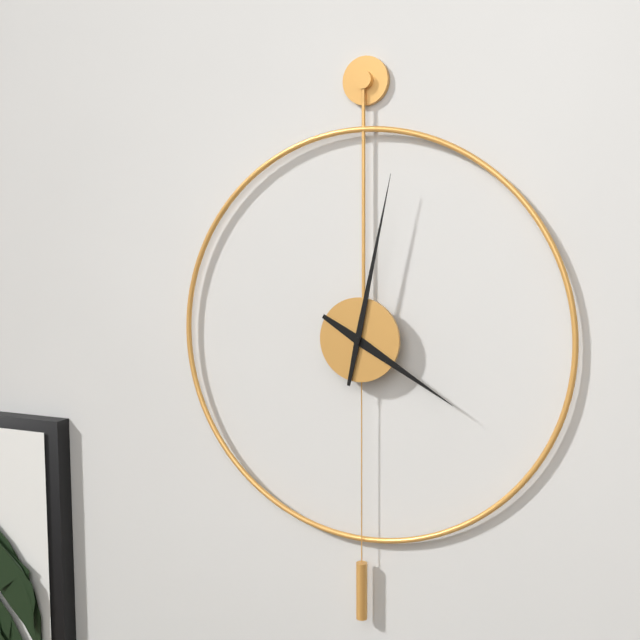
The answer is **4:02**
